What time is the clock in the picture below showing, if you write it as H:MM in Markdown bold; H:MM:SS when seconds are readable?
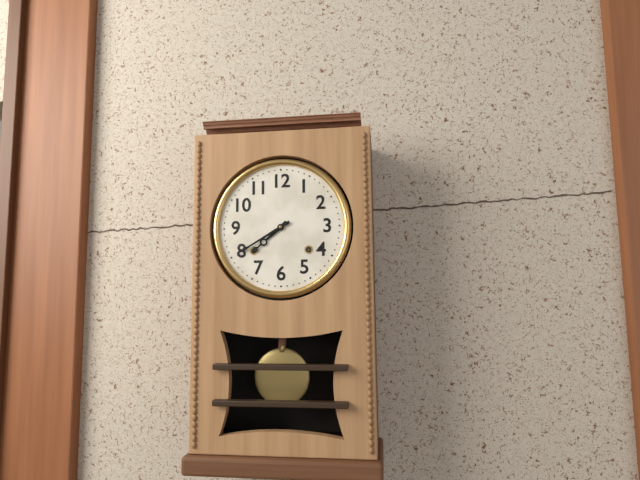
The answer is **7:40**
